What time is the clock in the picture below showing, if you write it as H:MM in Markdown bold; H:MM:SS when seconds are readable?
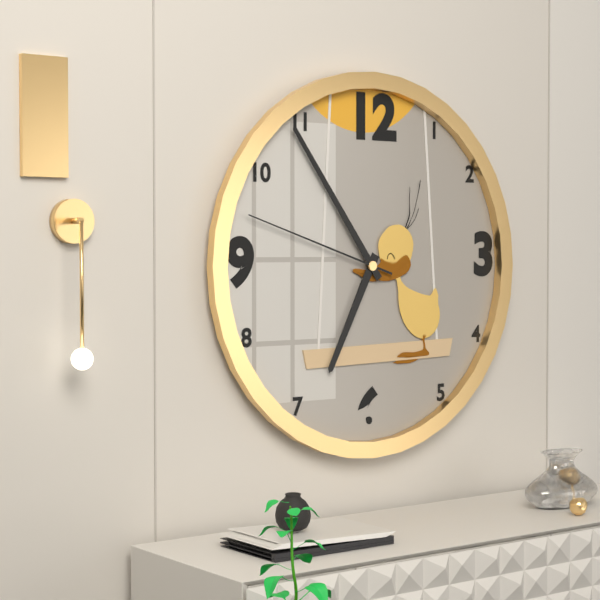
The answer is **6:54:48**
